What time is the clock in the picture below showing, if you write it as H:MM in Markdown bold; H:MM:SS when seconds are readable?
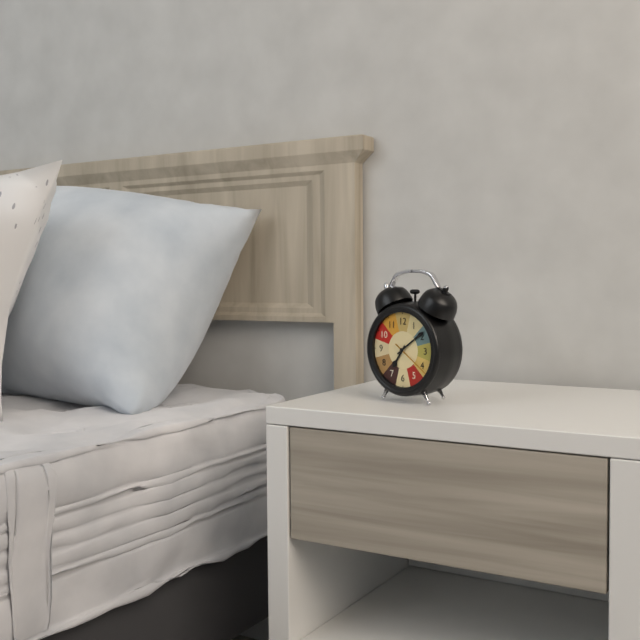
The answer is **7:09**
